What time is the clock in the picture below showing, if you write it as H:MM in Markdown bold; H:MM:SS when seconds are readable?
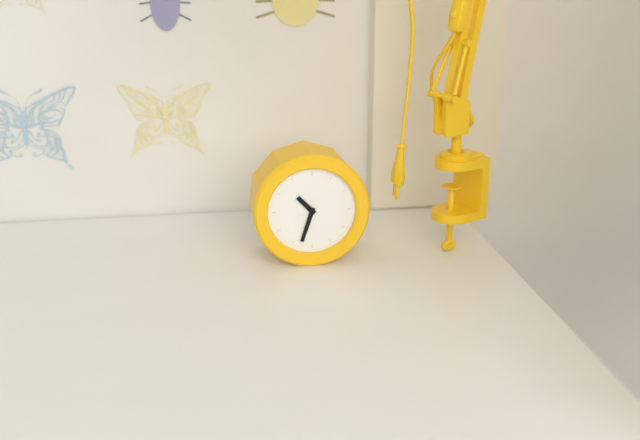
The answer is **10:33**
